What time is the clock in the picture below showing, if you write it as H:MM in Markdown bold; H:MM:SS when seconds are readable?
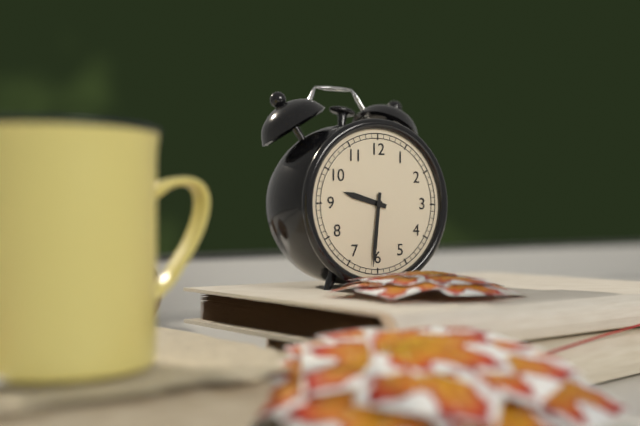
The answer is **9:31**
